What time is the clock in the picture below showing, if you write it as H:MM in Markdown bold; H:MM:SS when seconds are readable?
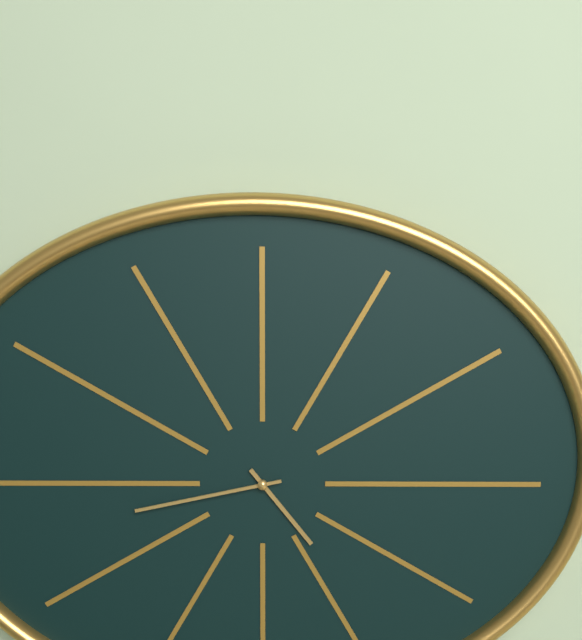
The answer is **4:43**
